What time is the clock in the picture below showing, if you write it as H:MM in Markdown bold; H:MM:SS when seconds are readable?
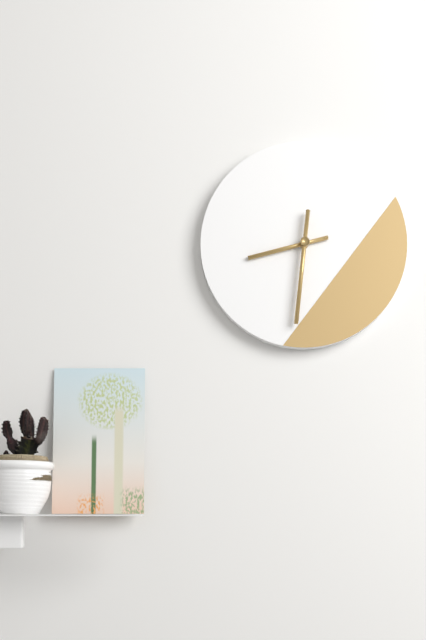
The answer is **8:31**
